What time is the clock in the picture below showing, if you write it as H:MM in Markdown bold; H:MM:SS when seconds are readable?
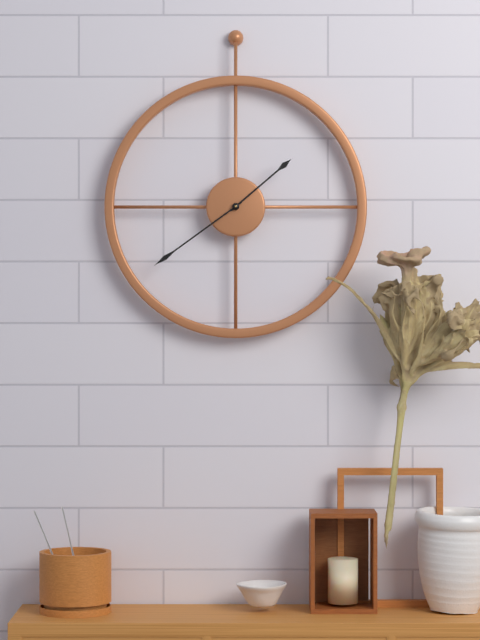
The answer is **1:39**
